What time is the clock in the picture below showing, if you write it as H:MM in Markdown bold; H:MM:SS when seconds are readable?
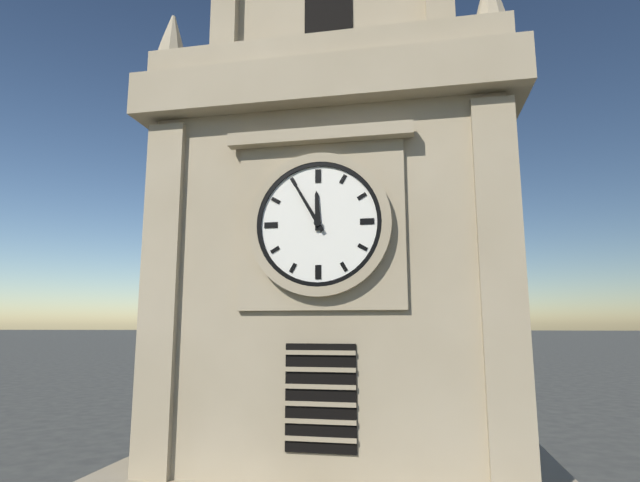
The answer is **11:55**
